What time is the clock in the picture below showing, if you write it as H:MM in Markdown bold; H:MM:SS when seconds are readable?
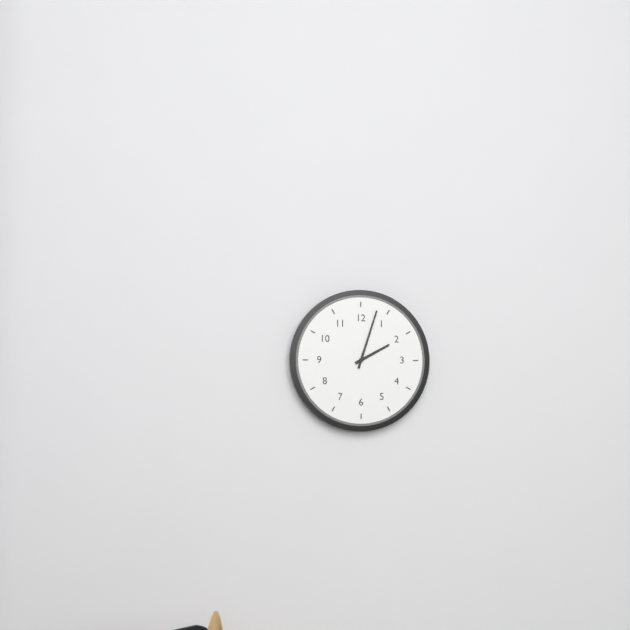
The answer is **2:03**
